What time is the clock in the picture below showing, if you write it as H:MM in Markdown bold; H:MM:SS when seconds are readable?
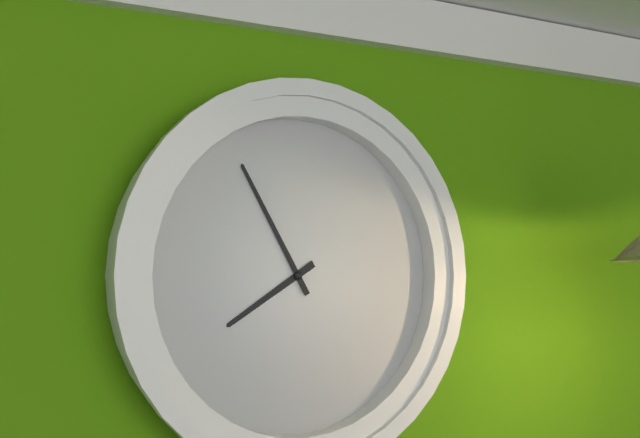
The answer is **7:55**
